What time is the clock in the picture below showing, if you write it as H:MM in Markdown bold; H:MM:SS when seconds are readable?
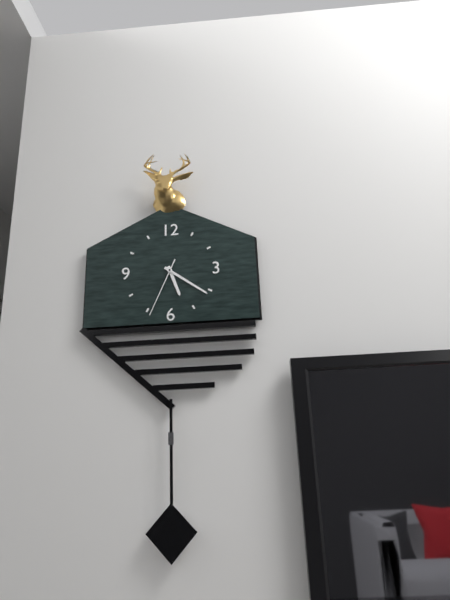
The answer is **5:21:34**
